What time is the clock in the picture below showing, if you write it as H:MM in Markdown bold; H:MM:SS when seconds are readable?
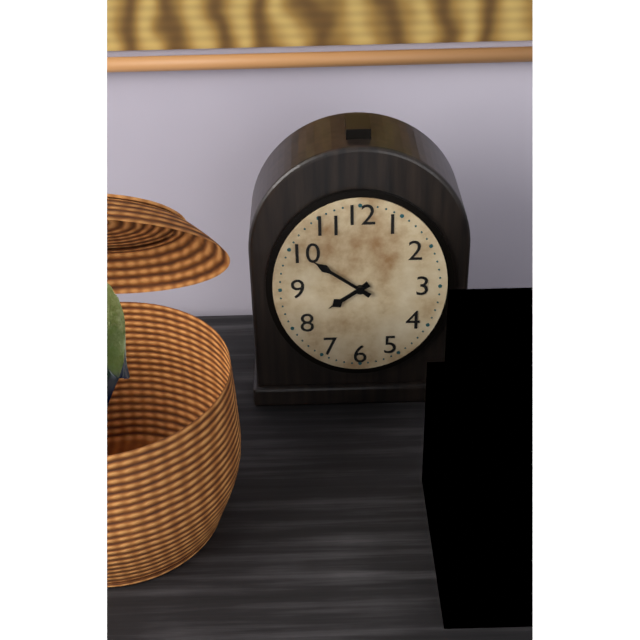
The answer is **7:51**
